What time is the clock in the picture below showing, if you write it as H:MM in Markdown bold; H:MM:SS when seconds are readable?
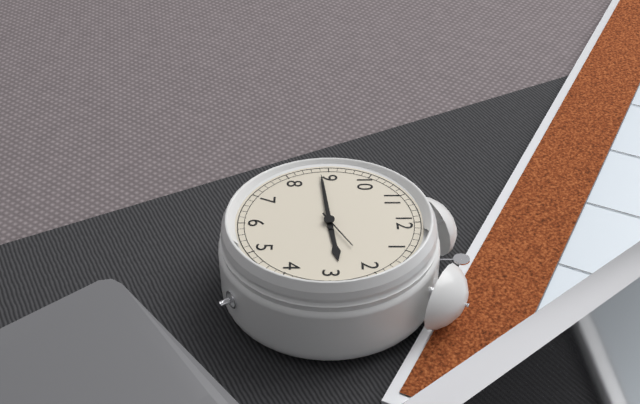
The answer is **2:44**
